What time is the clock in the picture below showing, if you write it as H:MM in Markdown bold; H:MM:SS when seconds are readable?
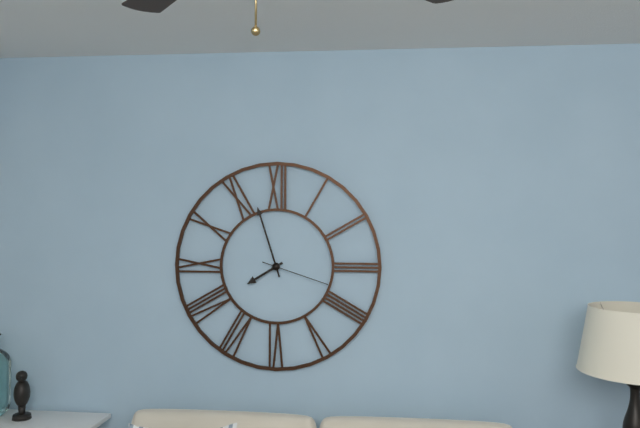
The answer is **7:57:18**
